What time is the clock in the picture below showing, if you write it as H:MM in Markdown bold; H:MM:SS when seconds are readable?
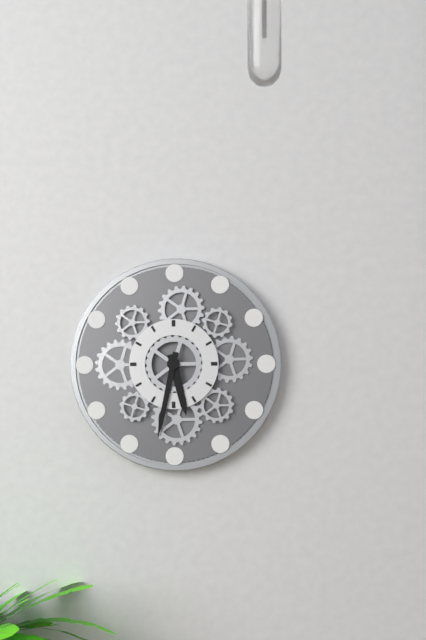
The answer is **5:32**
